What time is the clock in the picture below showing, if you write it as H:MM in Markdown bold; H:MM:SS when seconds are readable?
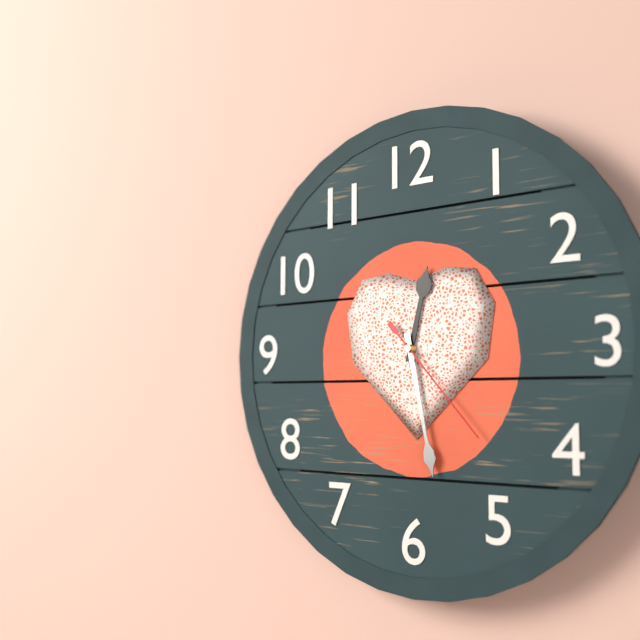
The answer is **12:28:23**
